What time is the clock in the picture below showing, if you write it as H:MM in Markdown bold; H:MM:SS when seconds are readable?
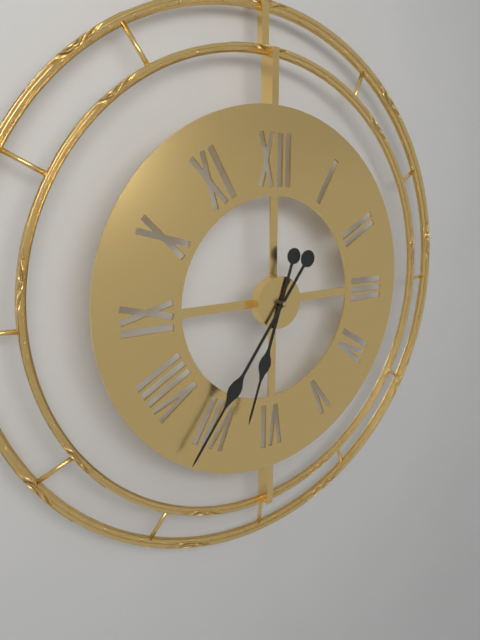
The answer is **6:36**
